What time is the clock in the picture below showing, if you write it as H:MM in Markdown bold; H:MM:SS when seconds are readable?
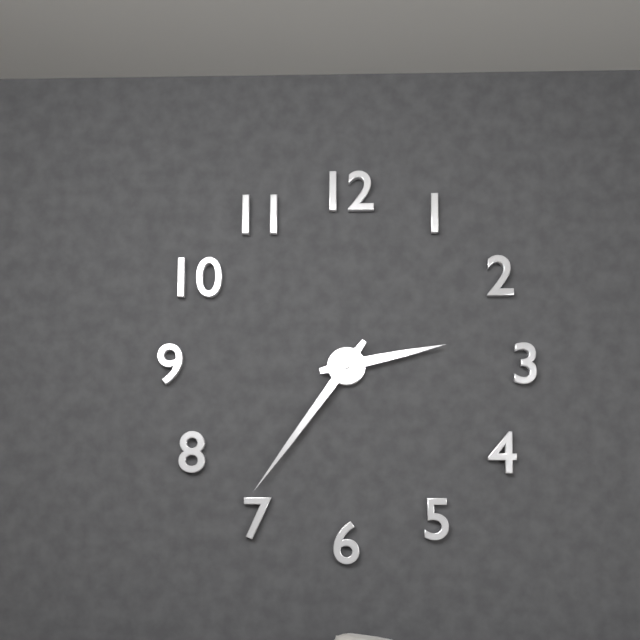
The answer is **2:36**
